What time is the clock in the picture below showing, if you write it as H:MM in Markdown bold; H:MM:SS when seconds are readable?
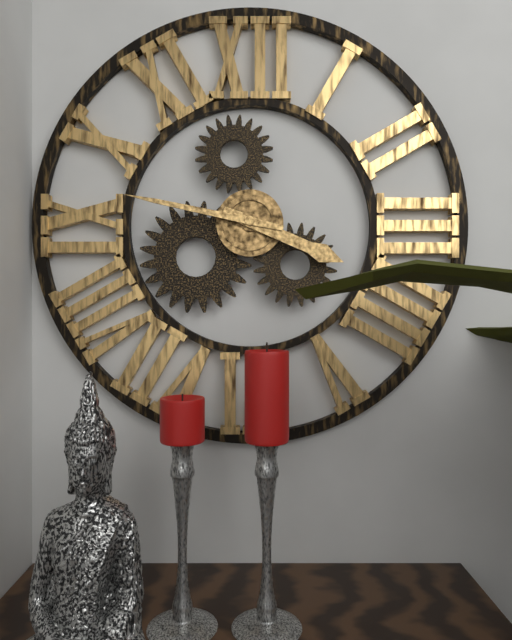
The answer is **3:47**
